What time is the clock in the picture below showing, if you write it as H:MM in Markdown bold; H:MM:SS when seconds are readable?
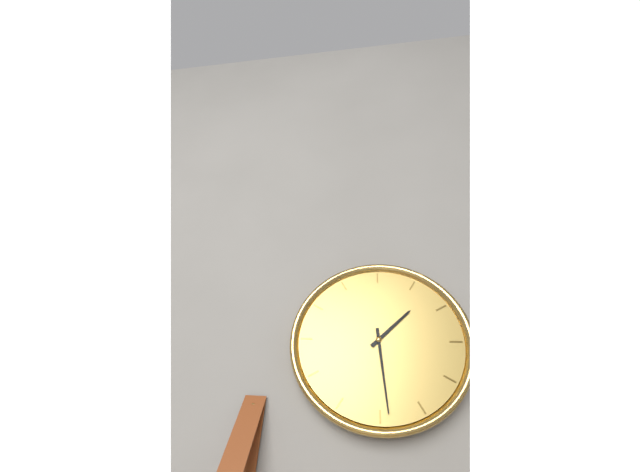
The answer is **1:29**
